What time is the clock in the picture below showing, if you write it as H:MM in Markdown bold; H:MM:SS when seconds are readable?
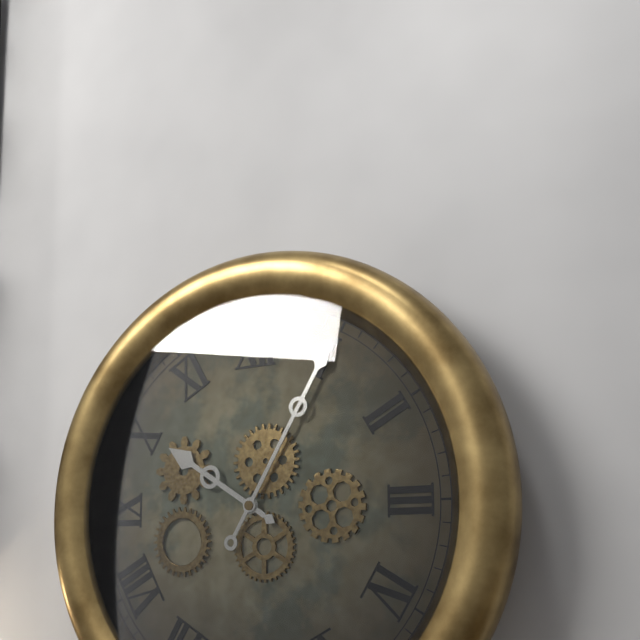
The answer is **10:05**
